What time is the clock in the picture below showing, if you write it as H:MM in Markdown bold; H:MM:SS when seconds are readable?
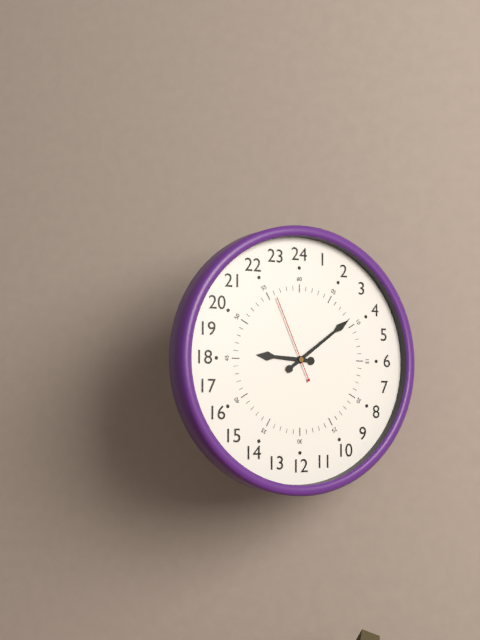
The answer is **9:09:56**
